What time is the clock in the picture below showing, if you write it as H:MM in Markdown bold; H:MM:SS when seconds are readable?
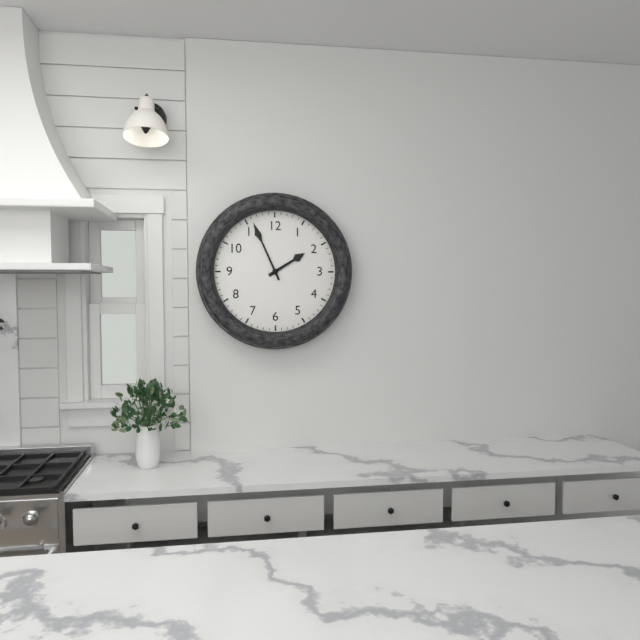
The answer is **1:56**
